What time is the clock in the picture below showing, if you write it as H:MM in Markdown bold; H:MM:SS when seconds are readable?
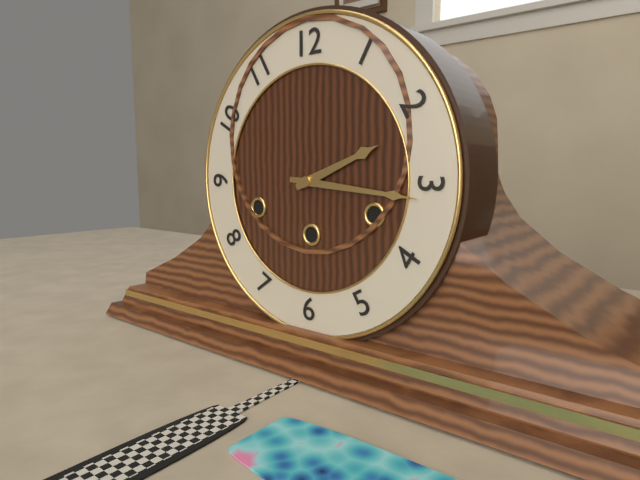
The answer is **2:16**
